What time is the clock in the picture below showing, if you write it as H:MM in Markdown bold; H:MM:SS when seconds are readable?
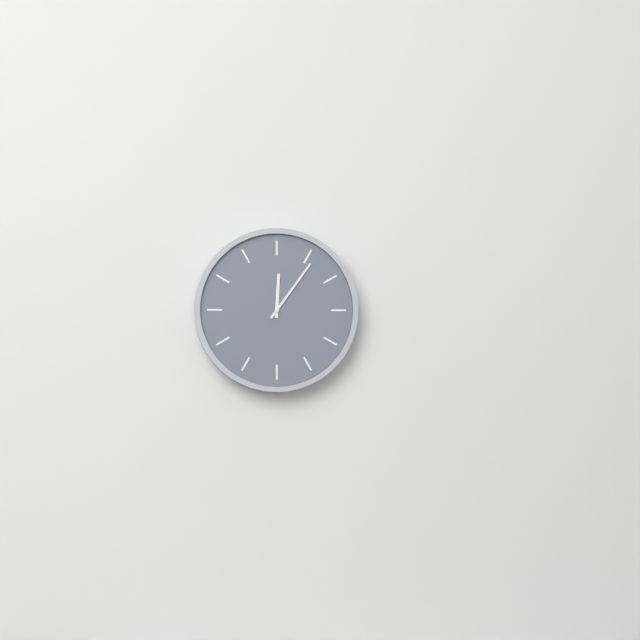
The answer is **12:06**
